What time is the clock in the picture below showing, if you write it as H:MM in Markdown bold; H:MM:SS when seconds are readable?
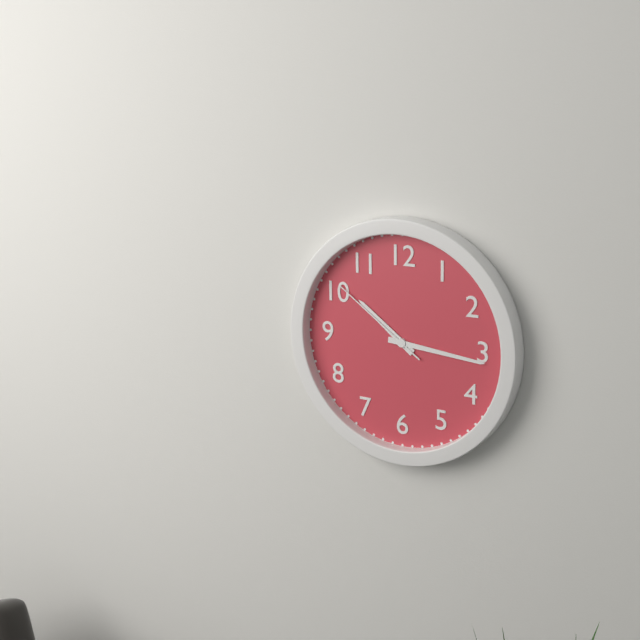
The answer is **10:16:51**
